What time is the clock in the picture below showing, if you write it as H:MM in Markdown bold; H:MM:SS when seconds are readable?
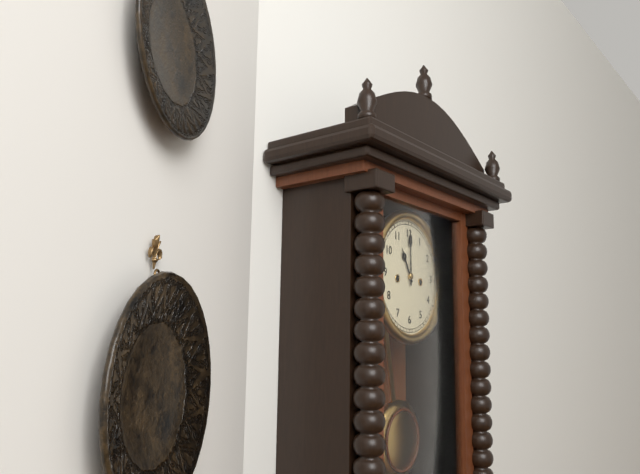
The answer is **11:00**
